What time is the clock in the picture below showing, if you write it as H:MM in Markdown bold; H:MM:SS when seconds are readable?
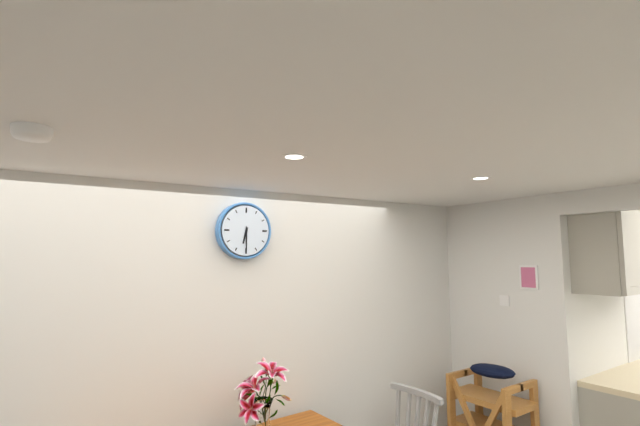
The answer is **6:30**
